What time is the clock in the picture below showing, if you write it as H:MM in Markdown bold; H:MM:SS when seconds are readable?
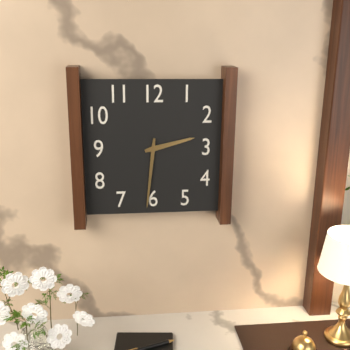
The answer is **2:31**
